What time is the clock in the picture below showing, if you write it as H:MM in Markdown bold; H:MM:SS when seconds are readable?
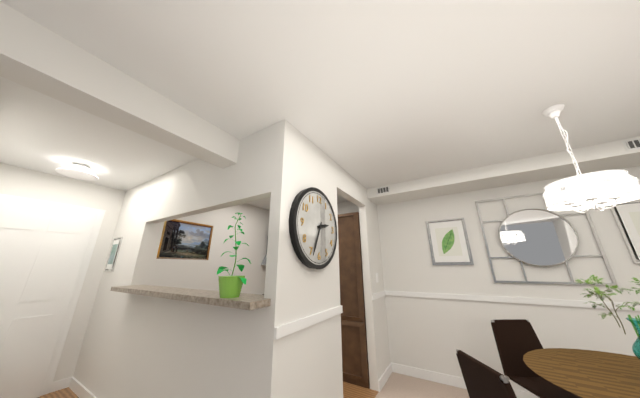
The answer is **2:34**
